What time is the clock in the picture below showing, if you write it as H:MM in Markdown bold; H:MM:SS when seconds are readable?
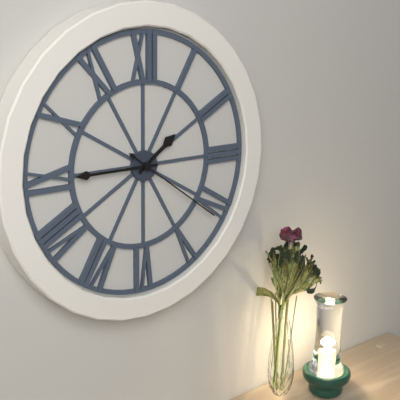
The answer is **1:45:21**
